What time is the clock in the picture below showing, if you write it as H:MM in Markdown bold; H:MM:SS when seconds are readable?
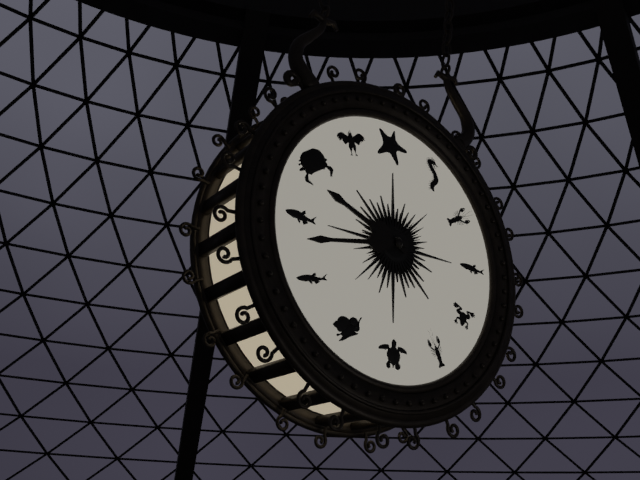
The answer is **9:43**
